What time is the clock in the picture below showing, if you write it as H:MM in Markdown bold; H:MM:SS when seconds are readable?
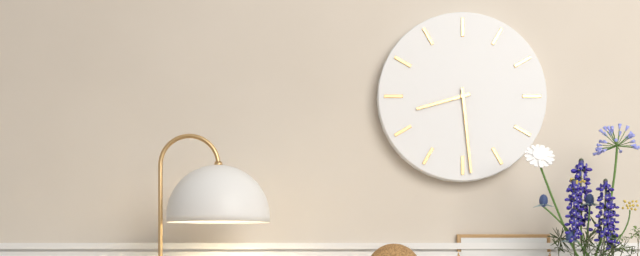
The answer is **8:29**
